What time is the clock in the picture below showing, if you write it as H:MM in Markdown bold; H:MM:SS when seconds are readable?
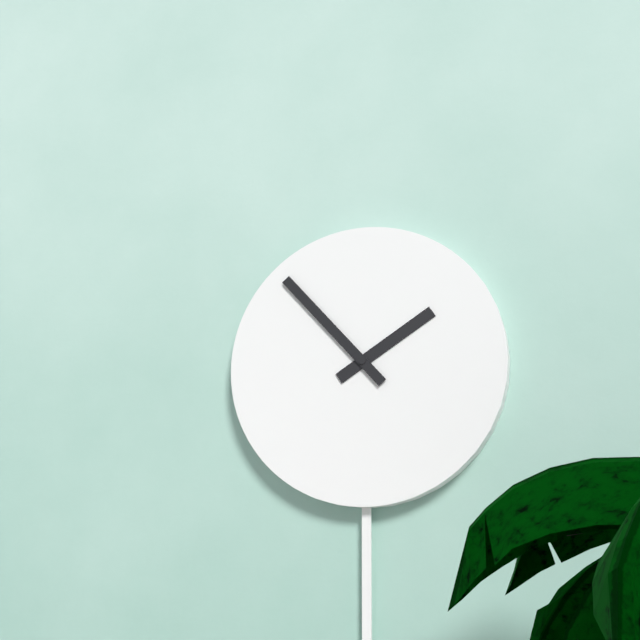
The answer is **1:53**
